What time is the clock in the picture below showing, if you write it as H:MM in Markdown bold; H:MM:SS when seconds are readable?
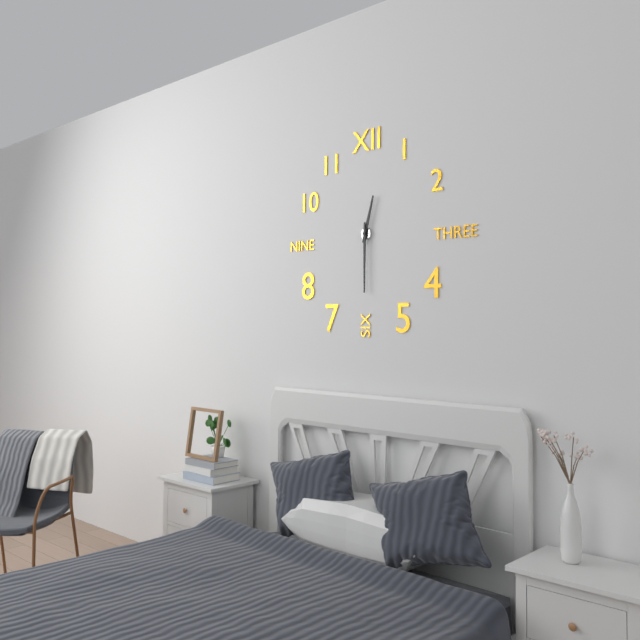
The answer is **12:30**
